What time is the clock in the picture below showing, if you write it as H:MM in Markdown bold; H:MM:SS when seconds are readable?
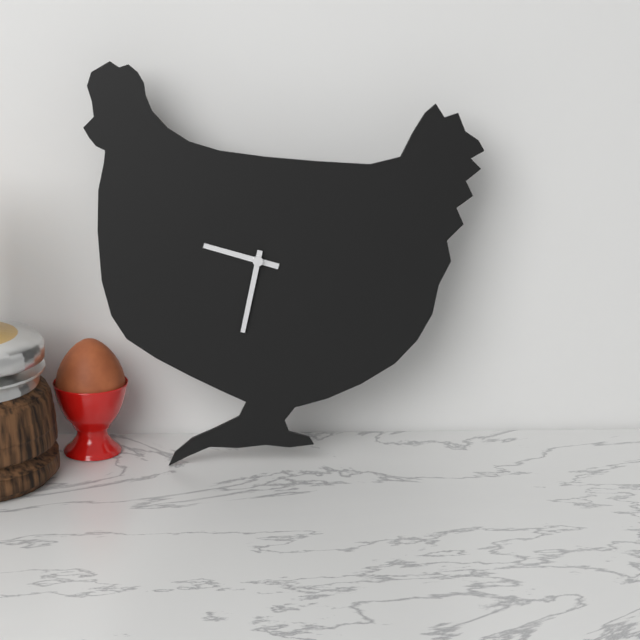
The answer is **9:32**
